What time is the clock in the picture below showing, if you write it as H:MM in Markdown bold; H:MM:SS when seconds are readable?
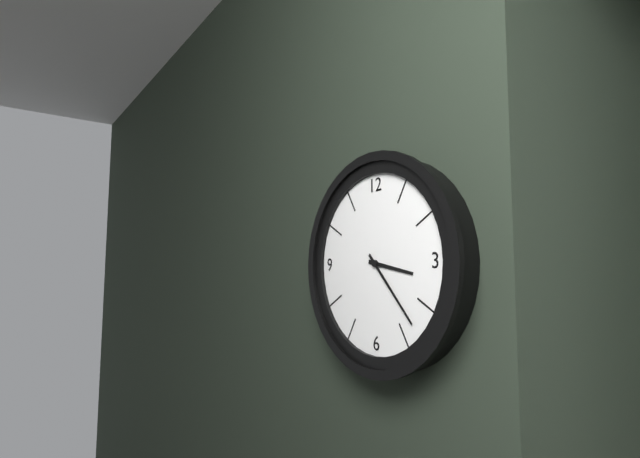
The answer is **3:23**
